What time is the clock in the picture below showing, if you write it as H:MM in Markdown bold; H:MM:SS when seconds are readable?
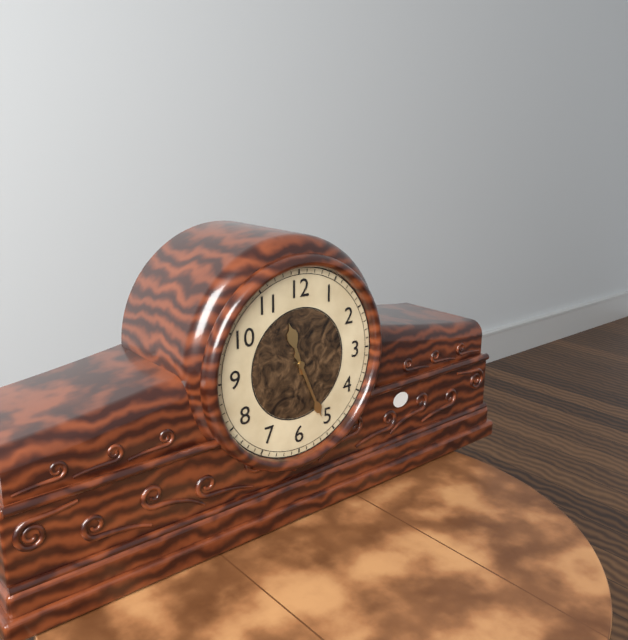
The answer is **11:26**
